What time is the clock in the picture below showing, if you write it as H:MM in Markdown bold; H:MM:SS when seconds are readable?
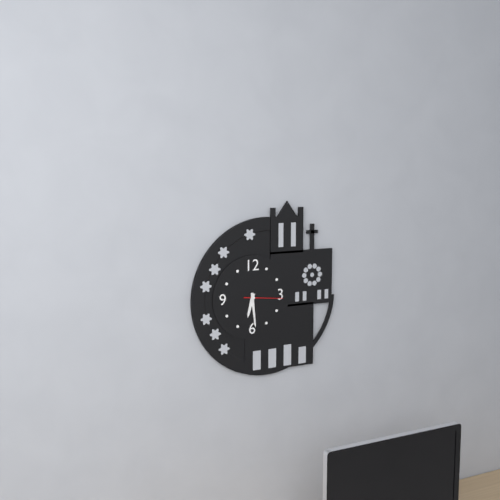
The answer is **6:29**
